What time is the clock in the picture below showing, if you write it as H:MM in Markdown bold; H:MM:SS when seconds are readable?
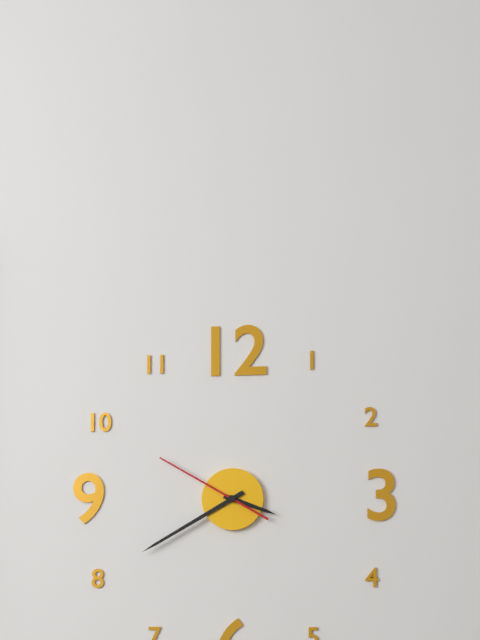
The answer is **3:40:50**
